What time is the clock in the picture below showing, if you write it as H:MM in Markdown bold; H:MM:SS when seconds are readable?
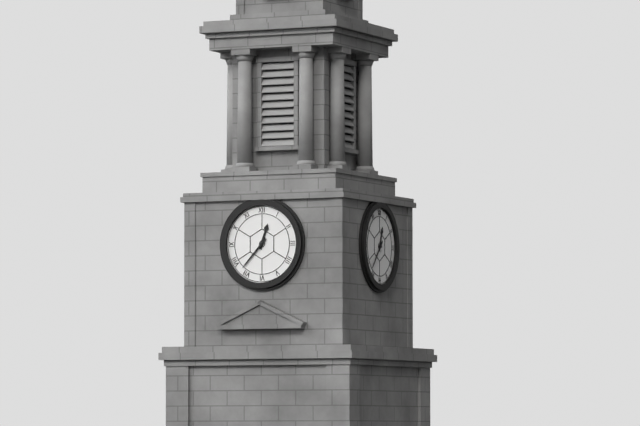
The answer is **12:37**
